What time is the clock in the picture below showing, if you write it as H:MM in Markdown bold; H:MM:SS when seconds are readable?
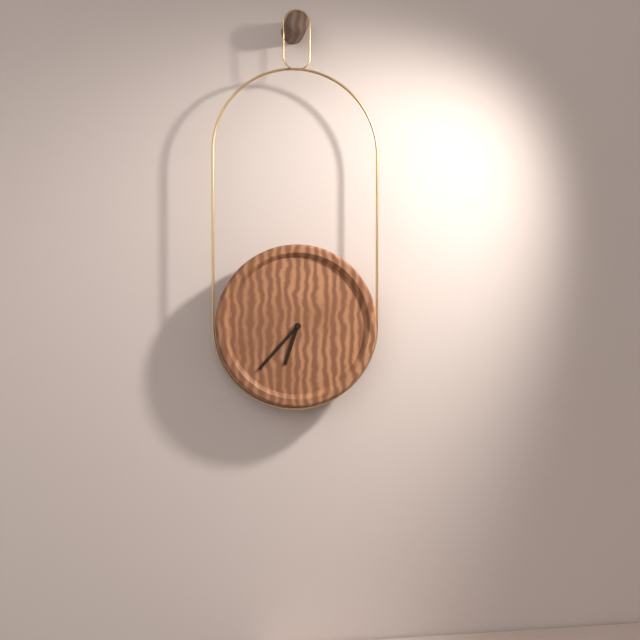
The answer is **6:37**
